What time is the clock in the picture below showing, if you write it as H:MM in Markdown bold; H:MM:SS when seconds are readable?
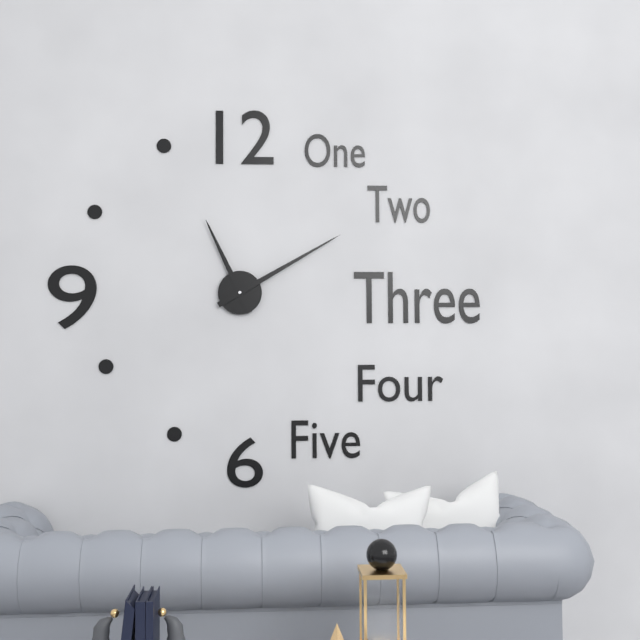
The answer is **11:10**
